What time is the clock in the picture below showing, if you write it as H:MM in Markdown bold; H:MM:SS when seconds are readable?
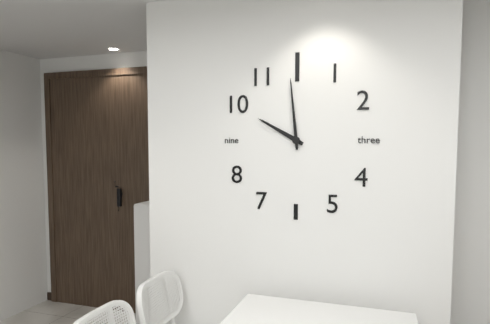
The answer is **9:59**
